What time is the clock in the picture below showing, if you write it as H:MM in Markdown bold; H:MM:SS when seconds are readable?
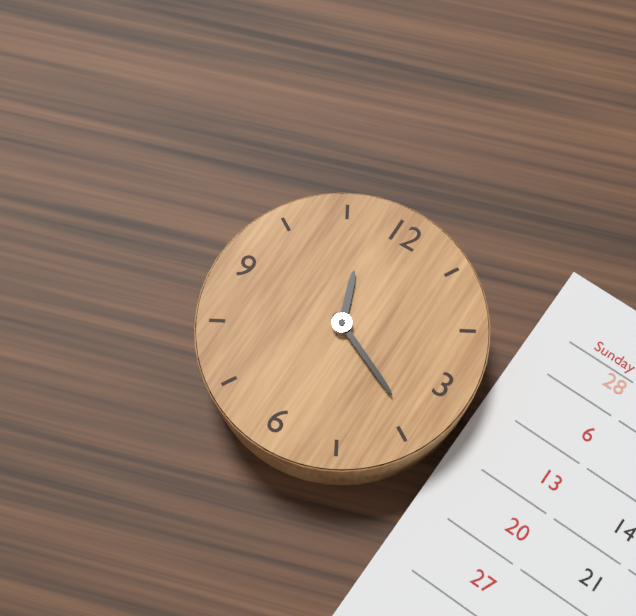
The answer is **11:19**
